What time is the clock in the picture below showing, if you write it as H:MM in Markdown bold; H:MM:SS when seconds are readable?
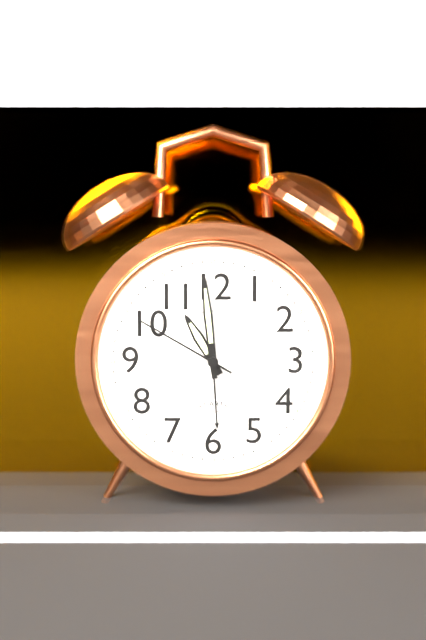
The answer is **10:59:50**
